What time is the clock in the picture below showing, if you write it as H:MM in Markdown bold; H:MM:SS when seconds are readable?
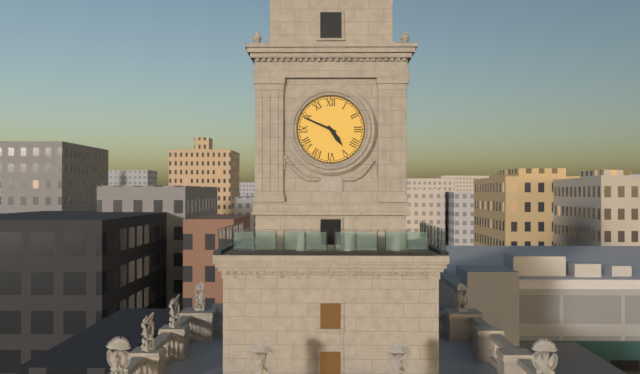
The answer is **4:49**
